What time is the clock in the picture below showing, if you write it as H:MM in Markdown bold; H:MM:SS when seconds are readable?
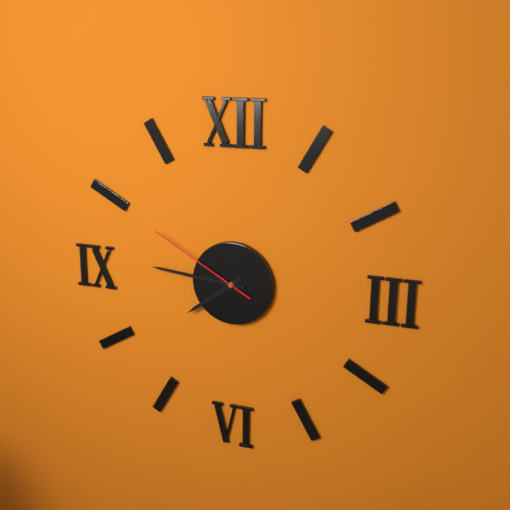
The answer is **7:46:50**
